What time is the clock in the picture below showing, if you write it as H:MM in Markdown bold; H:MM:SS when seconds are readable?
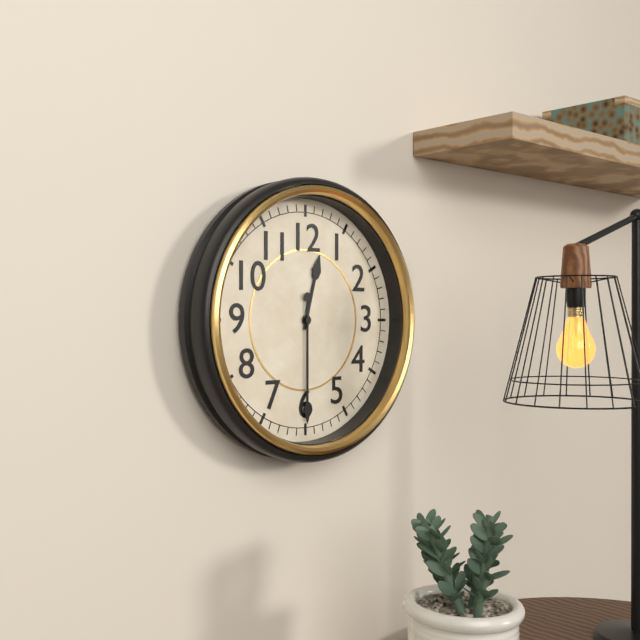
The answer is **12:30**
